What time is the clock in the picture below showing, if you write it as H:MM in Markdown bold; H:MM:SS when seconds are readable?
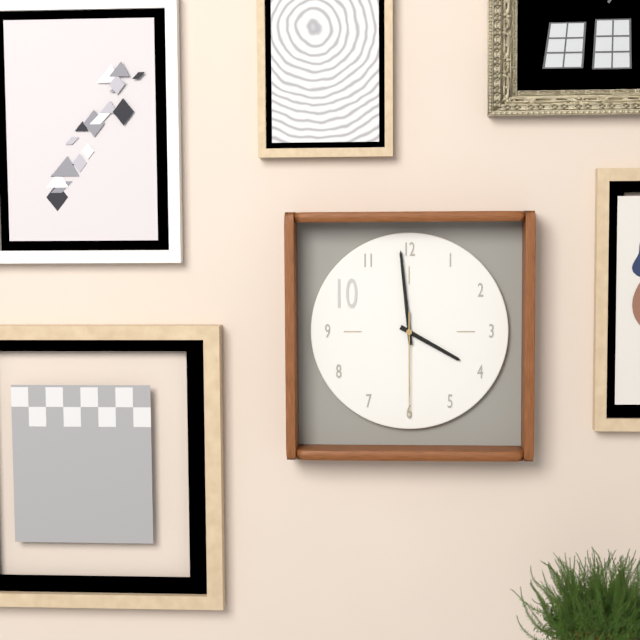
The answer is **3:59:30**
